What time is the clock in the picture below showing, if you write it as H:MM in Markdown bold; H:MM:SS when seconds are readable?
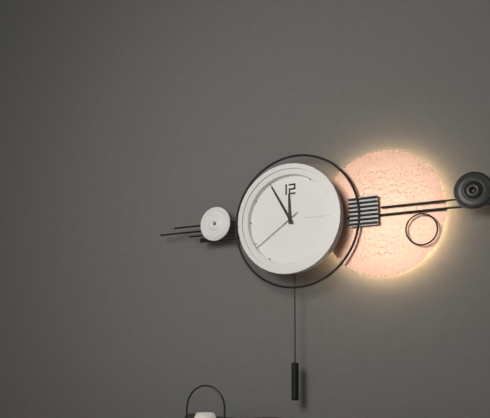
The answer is **11:55:39**
